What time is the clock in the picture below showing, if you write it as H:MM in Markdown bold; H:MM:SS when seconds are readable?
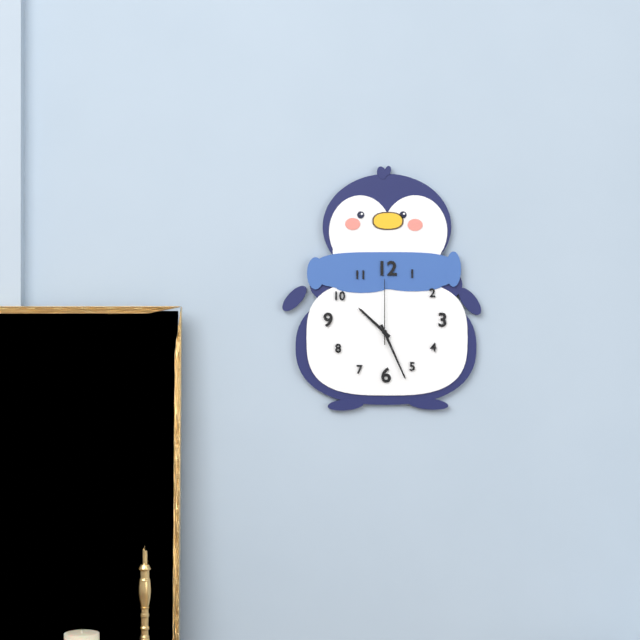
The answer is **10:26:00**
